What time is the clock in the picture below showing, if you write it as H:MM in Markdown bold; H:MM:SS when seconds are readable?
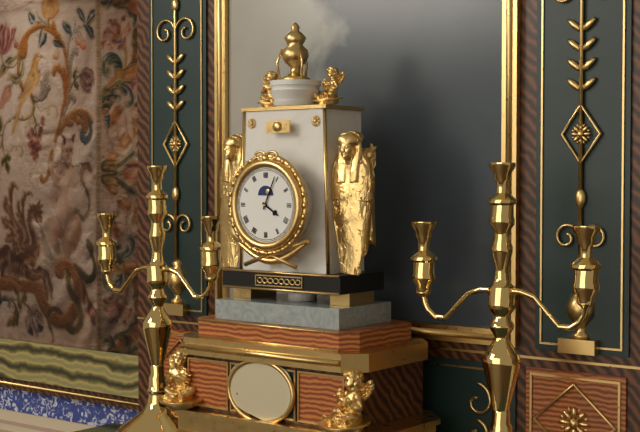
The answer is **4:04**
